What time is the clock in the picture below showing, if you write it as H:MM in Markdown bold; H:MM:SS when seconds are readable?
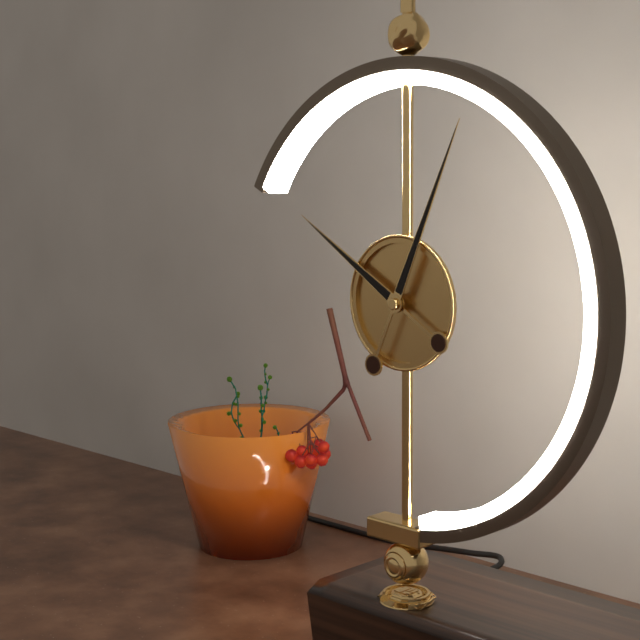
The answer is **10:04**
